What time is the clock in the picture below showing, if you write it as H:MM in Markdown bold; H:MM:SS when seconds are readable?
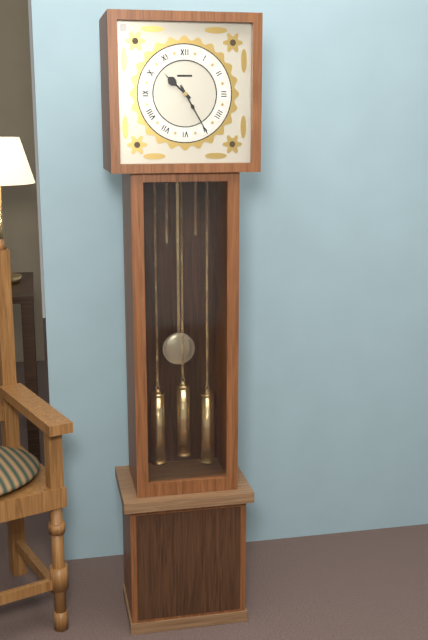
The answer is **10:25**
